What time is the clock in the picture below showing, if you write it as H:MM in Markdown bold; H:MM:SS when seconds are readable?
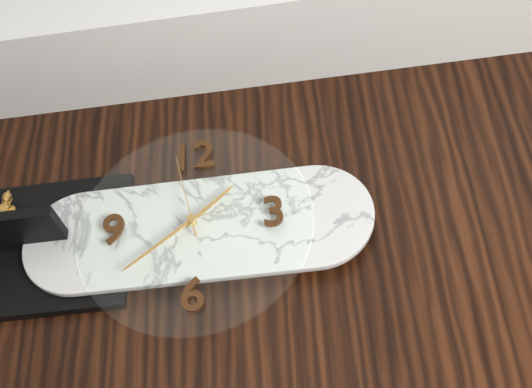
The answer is **1:39:58**
